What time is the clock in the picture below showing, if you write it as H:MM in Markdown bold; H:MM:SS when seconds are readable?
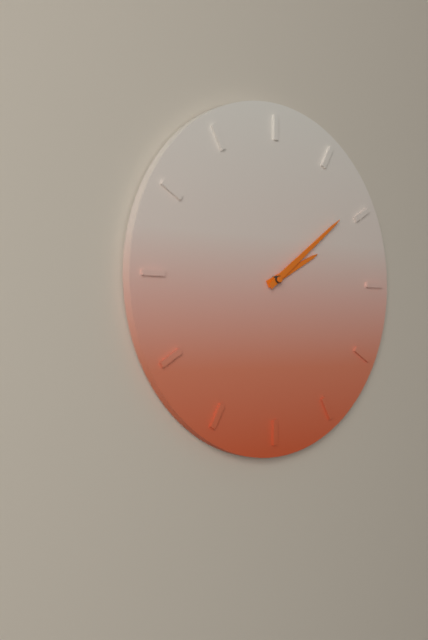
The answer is **2:09**
